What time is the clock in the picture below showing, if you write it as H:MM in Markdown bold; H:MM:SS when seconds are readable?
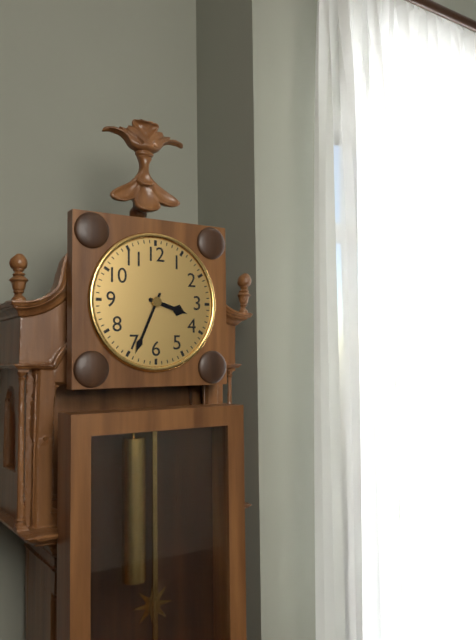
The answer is **3:34**
